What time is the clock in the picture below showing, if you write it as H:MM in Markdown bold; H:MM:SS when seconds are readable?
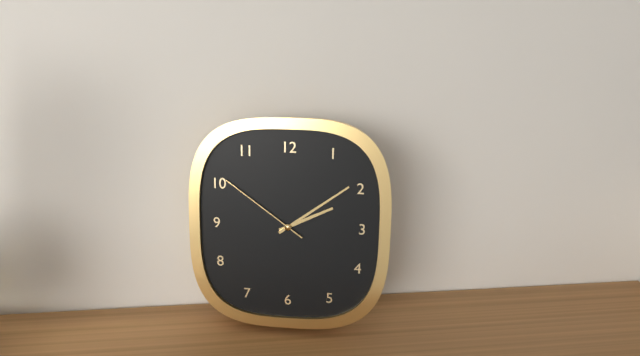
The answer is **2:09:51**
